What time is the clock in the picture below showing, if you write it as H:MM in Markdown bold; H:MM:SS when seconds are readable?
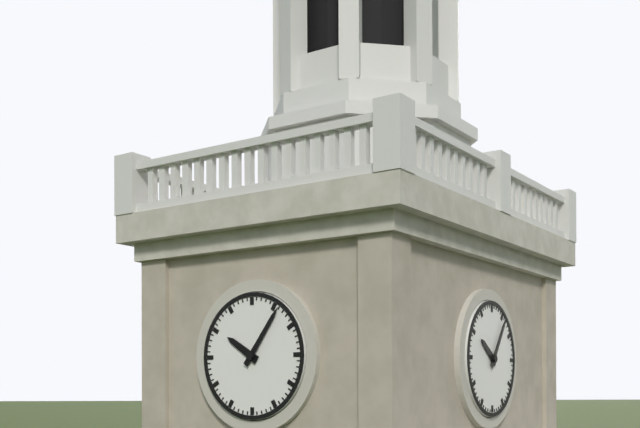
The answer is **10:06**
